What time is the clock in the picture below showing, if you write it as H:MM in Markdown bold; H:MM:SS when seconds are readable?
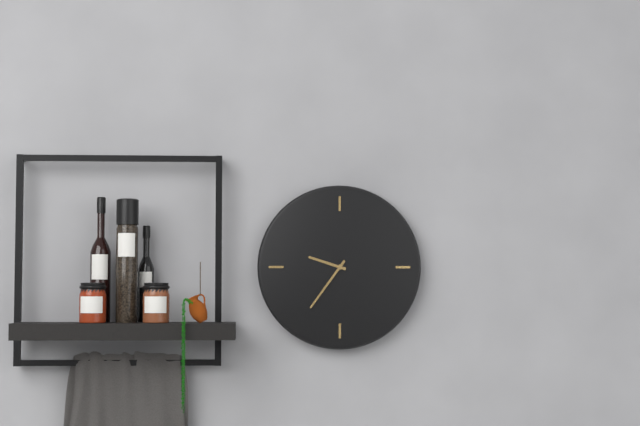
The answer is **9:36**
